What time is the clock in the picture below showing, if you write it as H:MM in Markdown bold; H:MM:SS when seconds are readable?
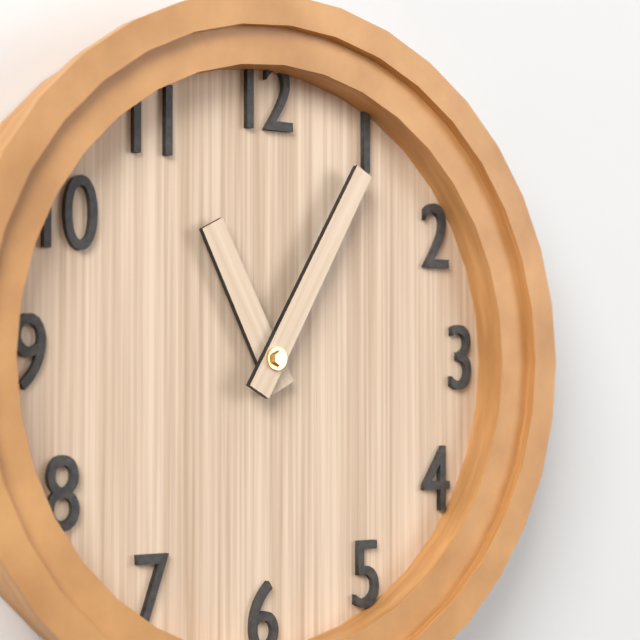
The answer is **11:05**
